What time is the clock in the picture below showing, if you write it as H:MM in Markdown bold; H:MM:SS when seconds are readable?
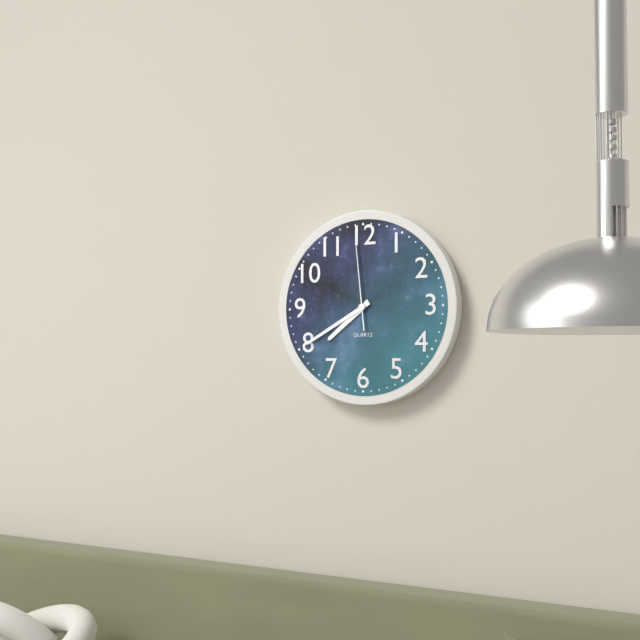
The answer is **7:40:59**
